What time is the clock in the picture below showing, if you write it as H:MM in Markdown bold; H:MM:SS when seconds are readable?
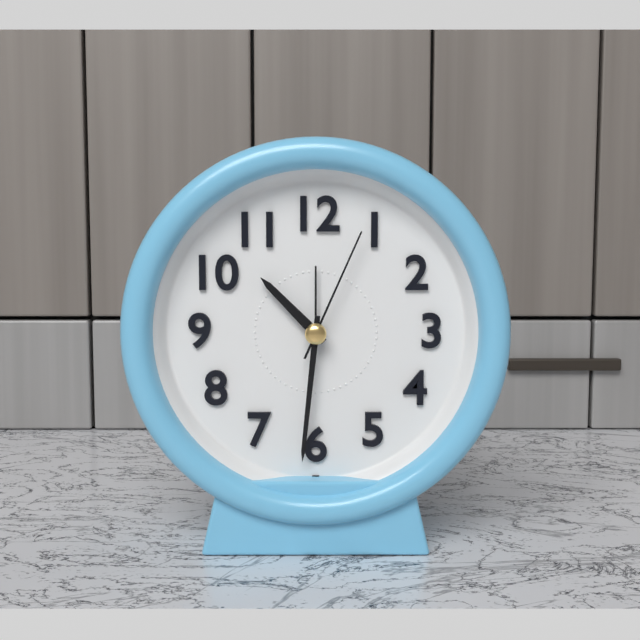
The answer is **10:31:04**
